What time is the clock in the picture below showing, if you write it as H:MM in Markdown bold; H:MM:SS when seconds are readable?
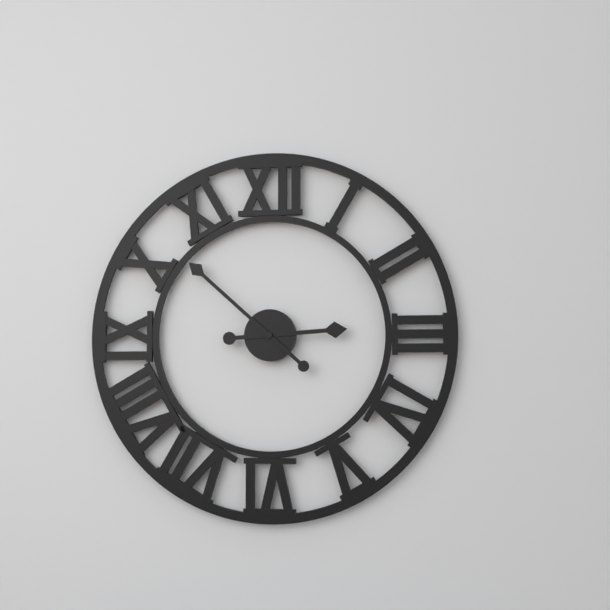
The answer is **2:52**
